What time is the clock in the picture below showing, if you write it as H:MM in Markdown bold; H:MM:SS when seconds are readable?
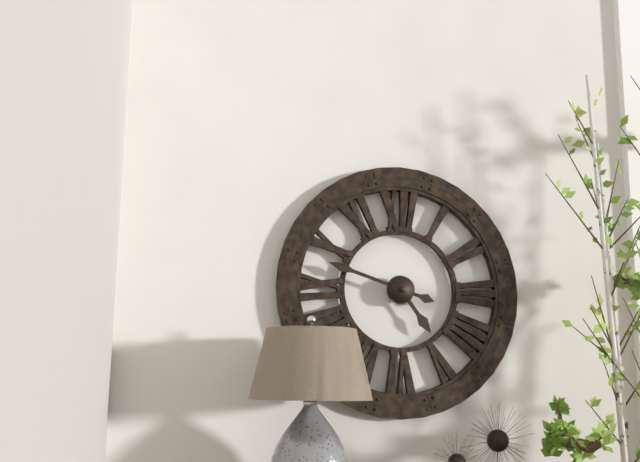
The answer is **4:48**
